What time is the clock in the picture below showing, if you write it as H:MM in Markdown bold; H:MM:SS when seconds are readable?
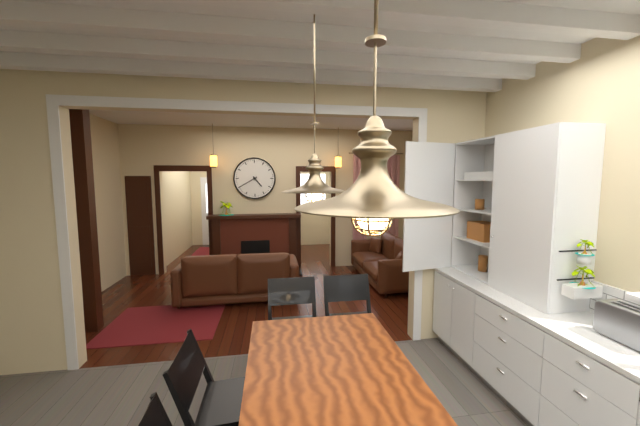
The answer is **4:40**
